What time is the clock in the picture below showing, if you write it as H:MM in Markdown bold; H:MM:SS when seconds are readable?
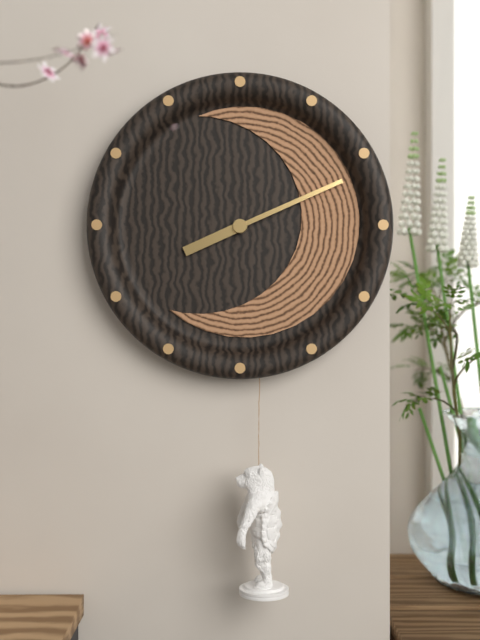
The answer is **8:11**
